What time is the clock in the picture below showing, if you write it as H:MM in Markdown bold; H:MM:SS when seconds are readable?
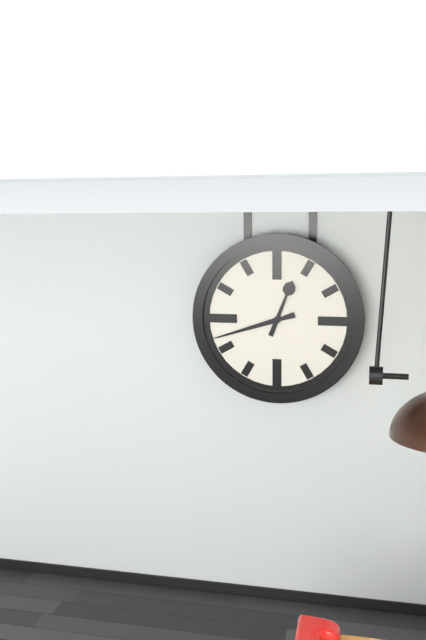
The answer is **12:42**
